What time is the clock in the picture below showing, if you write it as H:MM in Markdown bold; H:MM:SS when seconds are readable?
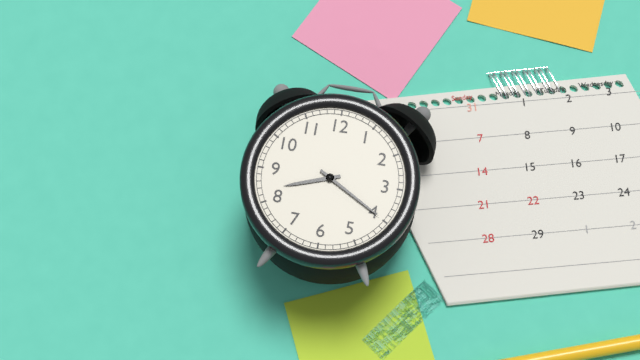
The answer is **8:20**
